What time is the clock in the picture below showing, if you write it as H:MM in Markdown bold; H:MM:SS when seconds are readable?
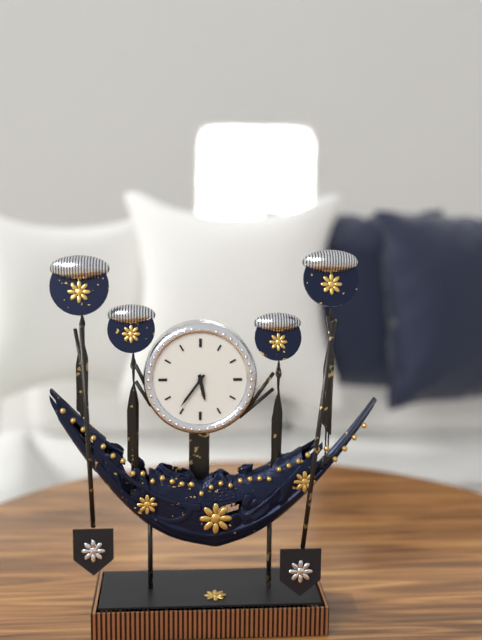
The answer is **5:36**
